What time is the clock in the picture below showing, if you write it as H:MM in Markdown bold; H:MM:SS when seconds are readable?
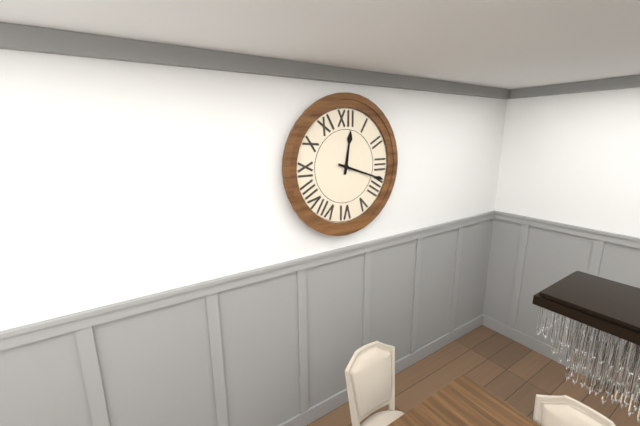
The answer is **12:18**
